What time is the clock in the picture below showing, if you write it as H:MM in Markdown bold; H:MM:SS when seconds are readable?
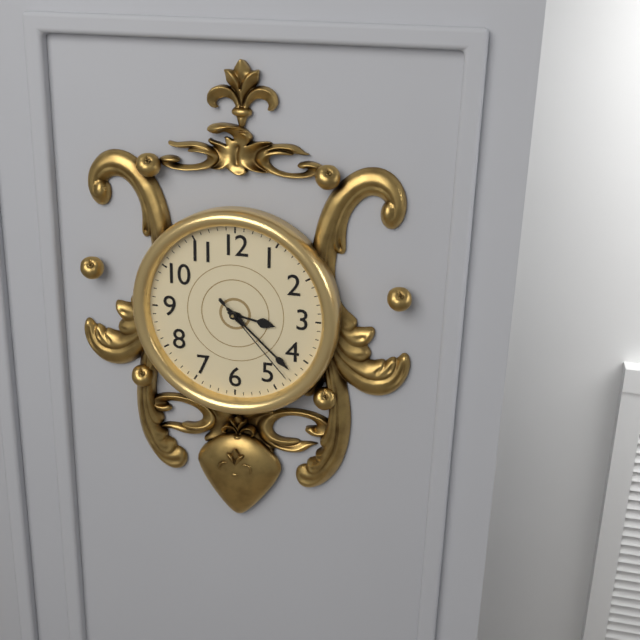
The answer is **3:22:23**
